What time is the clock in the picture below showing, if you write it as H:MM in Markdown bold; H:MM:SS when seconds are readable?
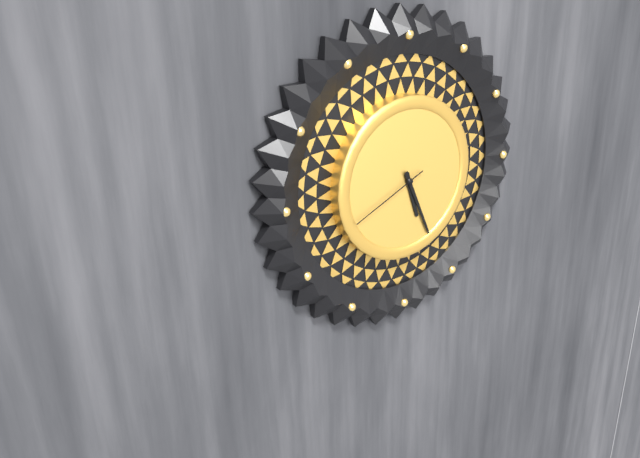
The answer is **5:26:41**
